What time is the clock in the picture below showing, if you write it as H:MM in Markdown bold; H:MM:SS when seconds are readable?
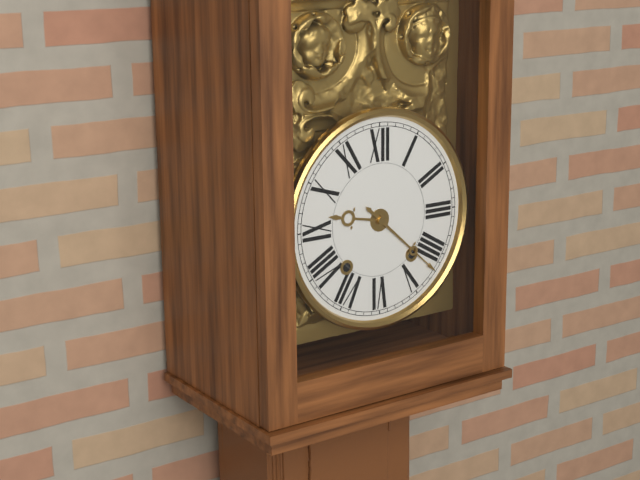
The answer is **9:22**
